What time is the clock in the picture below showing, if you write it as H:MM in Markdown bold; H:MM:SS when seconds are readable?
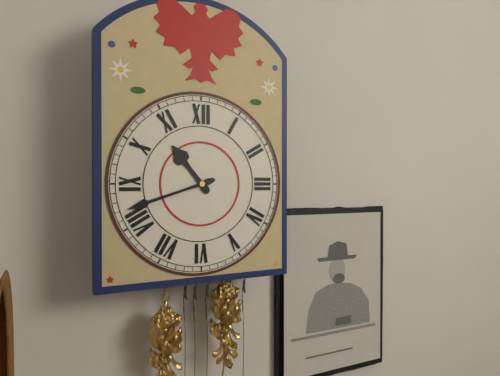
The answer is **10:42**
